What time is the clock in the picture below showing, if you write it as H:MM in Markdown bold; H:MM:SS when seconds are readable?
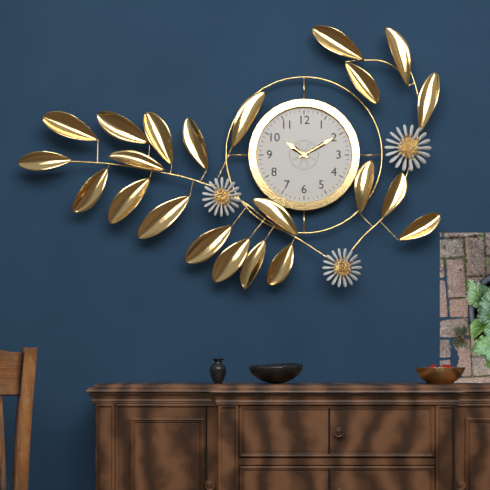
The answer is **10:10**
